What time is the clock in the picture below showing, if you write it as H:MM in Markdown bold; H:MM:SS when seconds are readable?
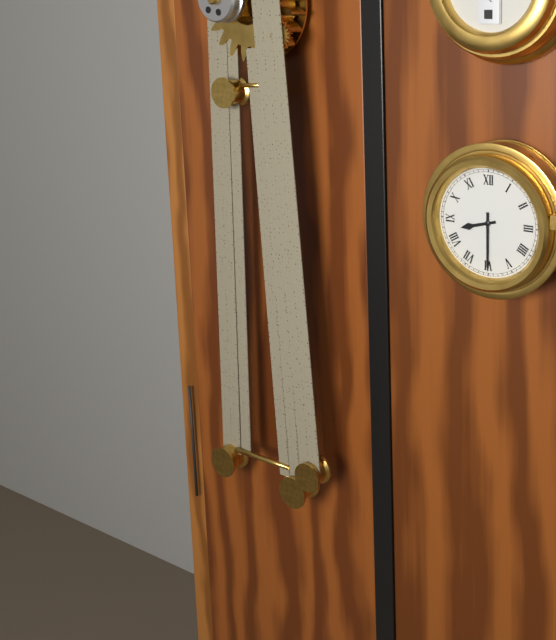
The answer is **8:30**
